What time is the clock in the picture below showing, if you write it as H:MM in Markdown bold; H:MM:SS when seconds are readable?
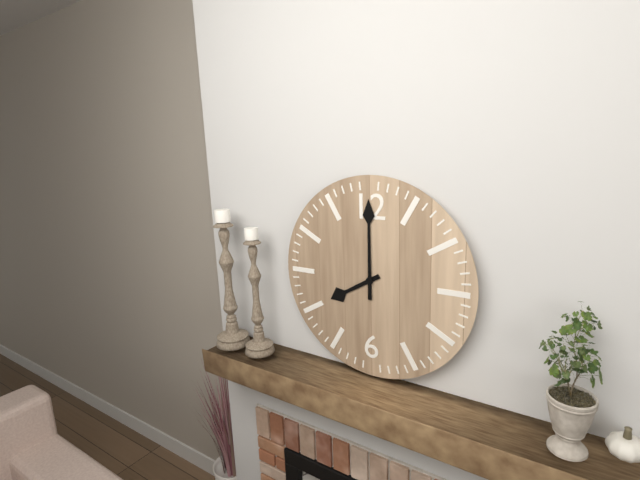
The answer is **8:00**
